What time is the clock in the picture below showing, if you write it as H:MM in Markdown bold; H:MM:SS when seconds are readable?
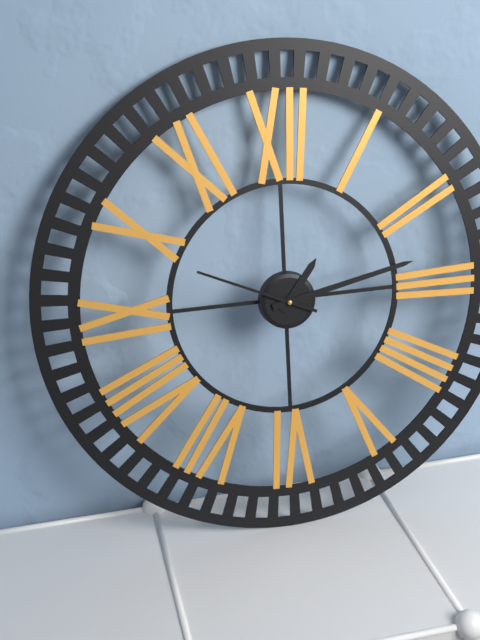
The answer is **1:13:49**
